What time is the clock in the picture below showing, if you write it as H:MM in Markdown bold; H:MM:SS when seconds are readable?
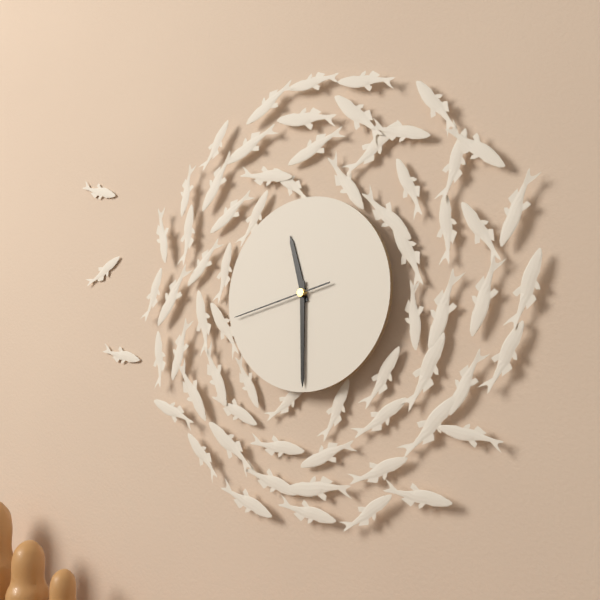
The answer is **11:30:43**
